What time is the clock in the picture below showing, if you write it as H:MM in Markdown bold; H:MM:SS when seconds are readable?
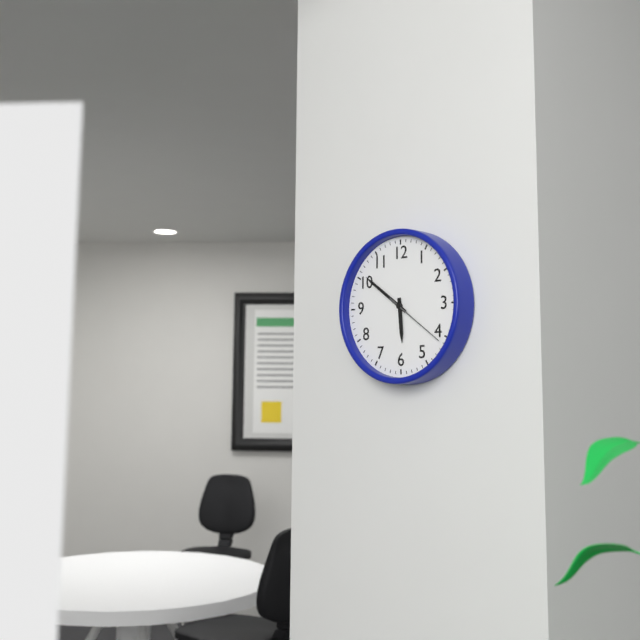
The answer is **5:51:21**
